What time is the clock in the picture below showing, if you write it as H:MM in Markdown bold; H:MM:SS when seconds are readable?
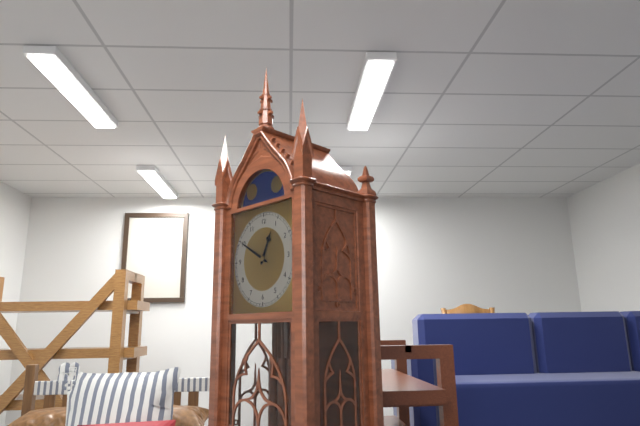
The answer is **12:50**
